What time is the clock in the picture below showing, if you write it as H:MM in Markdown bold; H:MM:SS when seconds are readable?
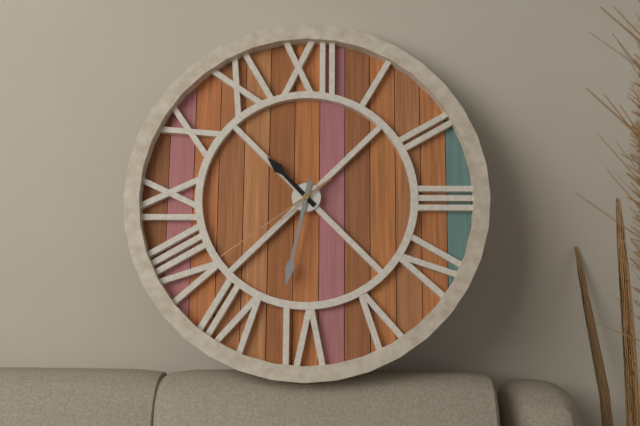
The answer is **10:32:39**
